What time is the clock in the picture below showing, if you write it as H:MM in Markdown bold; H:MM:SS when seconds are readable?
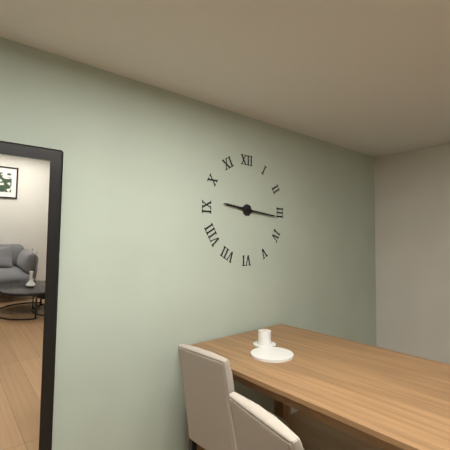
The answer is **9:16**
